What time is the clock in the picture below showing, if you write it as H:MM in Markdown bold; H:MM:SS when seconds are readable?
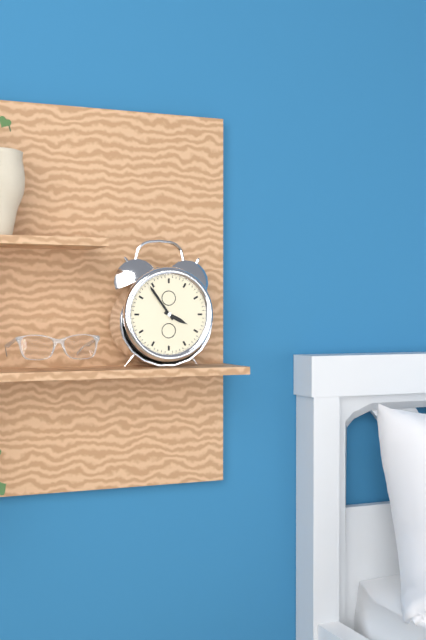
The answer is **3:54**
